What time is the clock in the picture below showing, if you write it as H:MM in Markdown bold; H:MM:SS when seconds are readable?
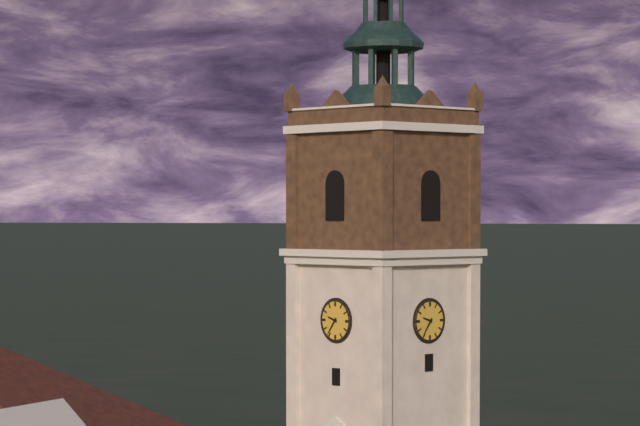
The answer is **9:36**
